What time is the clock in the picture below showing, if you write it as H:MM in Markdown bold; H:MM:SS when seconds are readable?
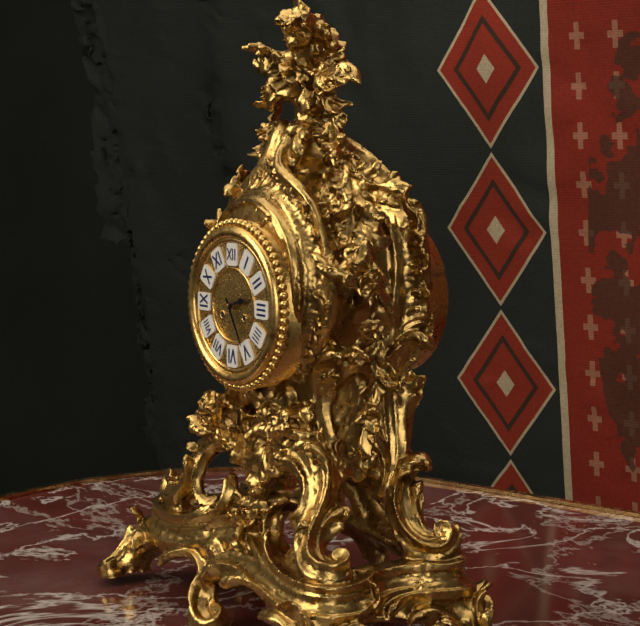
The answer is **2:25**
